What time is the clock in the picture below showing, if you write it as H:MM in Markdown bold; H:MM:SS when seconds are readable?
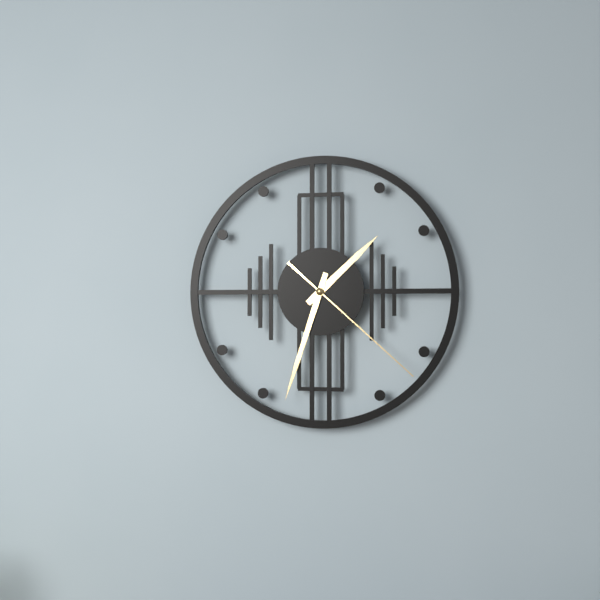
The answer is **1:33:22**
